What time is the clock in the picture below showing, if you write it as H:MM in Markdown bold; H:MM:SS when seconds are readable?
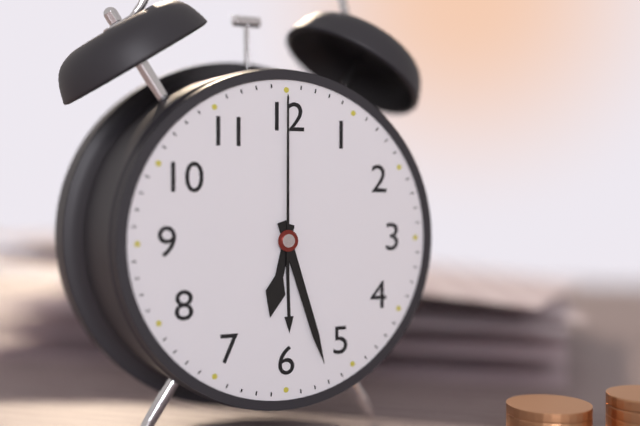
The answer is **6:27:00**
